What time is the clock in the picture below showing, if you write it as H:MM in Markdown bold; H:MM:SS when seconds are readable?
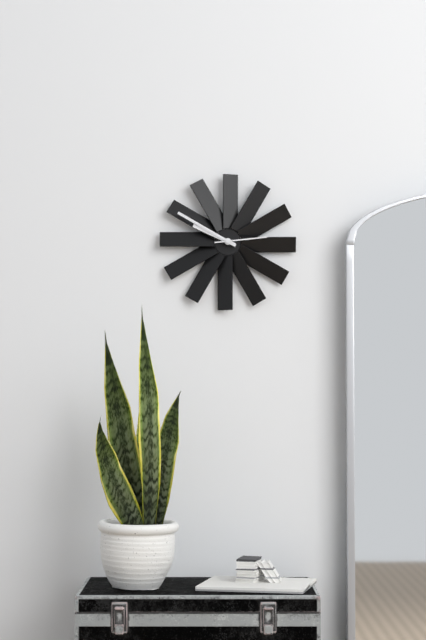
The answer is **9:50**
